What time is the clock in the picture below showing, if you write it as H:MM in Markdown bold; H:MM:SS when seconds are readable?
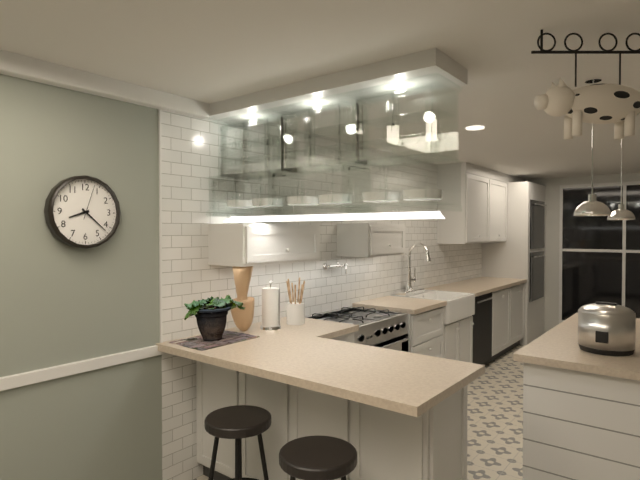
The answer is **8:22**
